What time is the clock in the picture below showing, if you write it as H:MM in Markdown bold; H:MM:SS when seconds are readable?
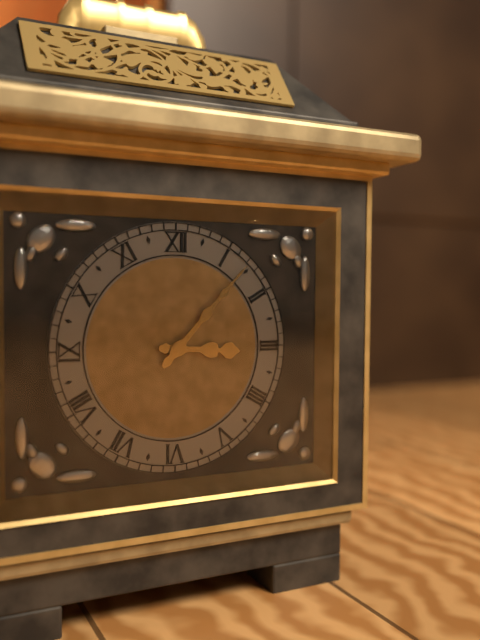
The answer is **3:07**
